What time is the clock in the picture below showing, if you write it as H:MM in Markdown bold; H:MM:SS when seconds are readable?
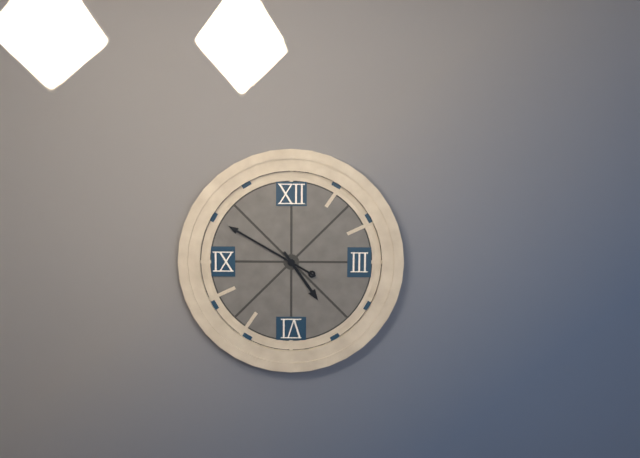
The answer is **4:50**
